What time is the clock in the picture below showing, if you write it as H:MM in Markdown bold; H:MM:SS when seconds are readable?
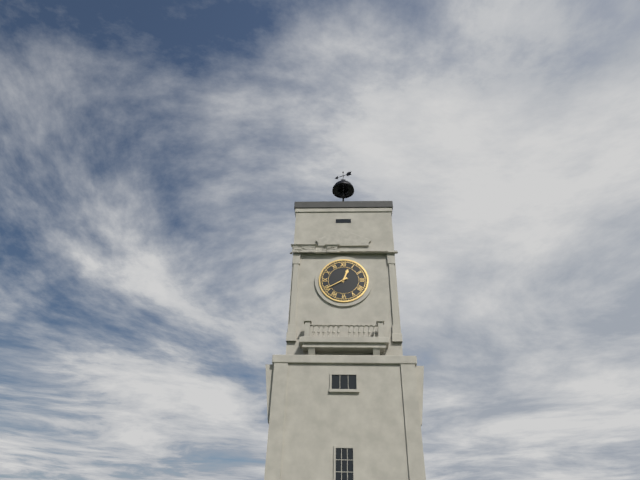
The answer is **12:40**
